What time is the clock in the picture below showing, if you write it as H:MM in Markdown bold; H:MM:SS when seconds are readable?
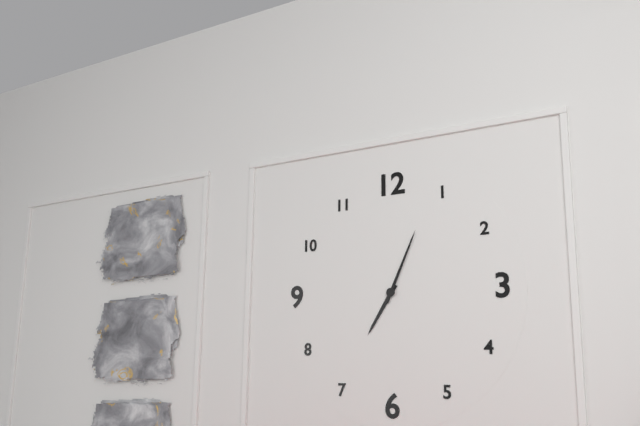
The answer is **7:04**
